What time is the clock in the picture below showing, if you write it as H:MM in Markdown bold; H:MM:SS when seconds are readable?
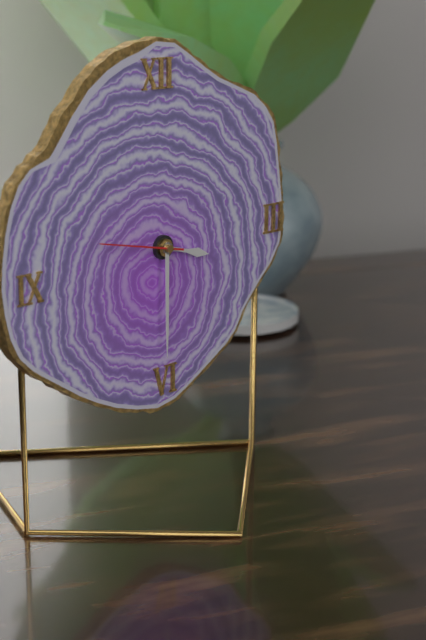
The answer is **3:30:47**
